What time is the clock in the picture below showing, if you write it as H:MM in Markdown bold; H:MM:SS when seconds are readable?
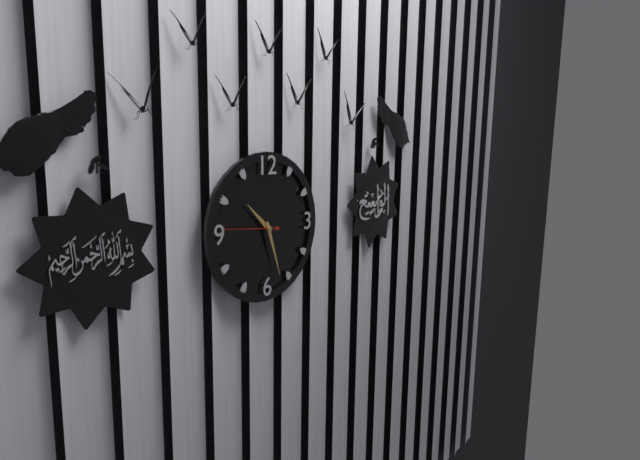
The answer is **10:27:46**
